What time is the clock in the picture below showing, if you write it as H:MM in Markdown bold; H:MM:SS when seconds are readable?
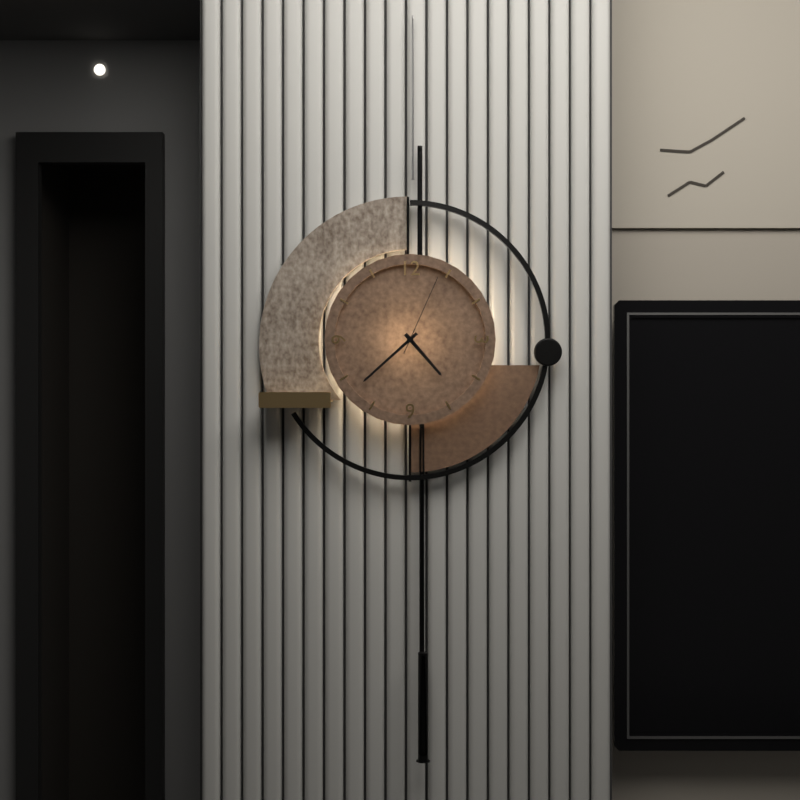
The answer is **4:38:04**
